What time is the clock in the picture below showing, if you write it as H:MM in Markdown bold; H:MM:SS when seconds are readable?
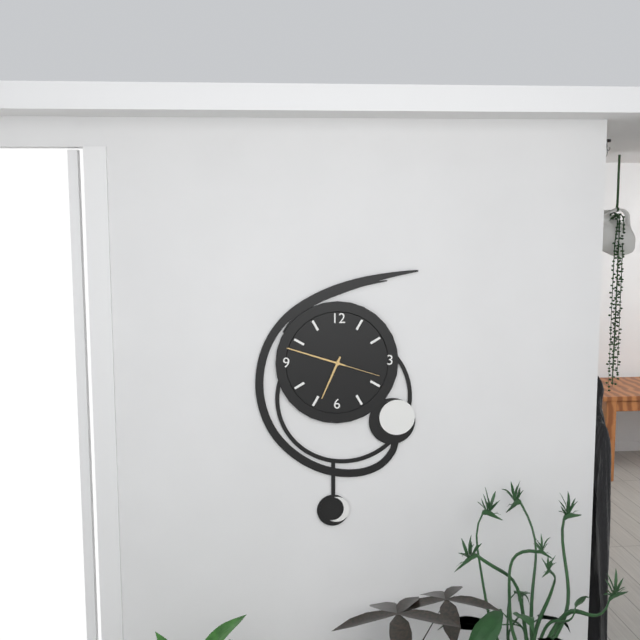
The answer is **6:48:18**
